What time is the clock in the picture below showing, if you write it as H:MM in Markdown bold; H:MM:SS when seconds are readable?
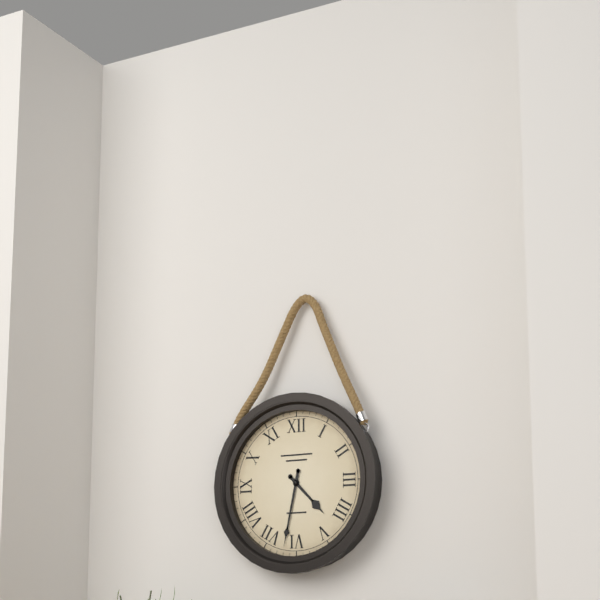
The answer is **4:32**
